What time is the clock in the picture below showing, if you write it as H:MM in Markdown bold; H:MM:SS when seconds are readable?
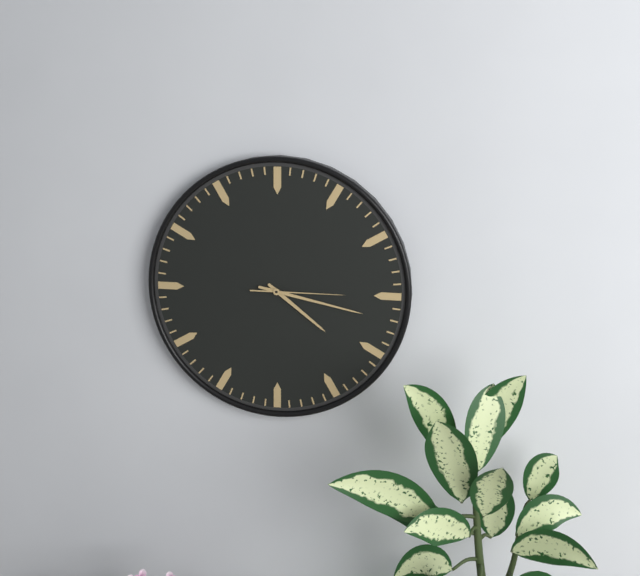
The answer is **4:17:15**
